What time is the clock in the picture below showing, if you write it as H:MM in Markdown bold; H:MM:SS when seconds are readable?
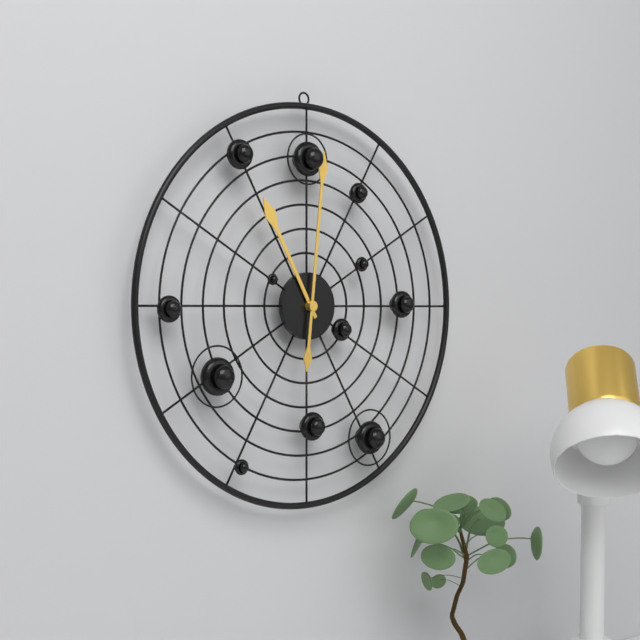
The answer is **11:01**
